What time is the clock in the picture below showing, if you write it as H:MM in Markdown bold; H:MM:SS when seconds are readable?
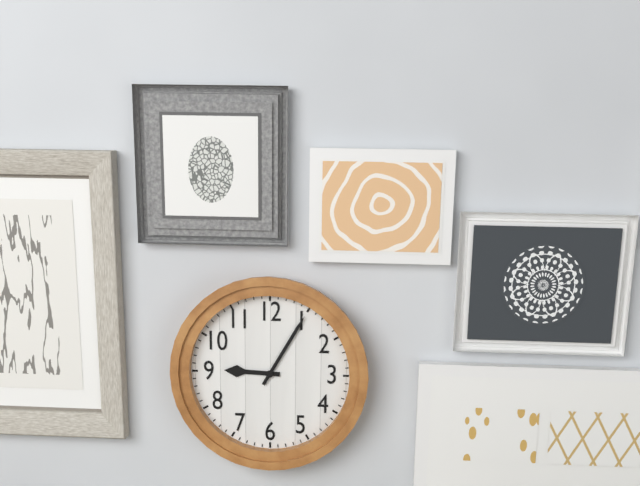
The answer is **9:05**
